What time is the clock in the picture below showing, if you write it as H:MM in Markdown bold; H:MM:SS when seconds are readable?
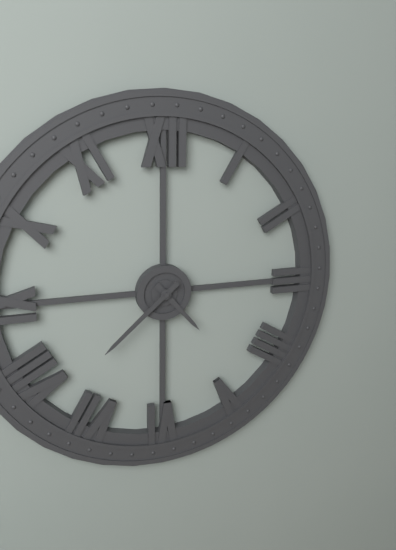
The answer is **4:38**
